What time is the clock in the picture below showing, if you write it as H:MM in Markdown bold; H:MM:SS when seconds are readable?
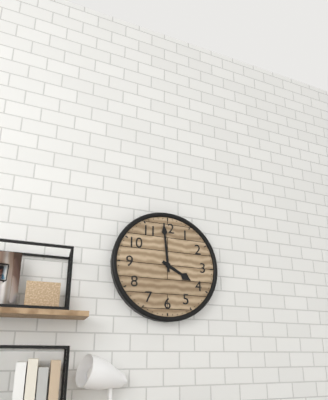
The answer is **3:59**
